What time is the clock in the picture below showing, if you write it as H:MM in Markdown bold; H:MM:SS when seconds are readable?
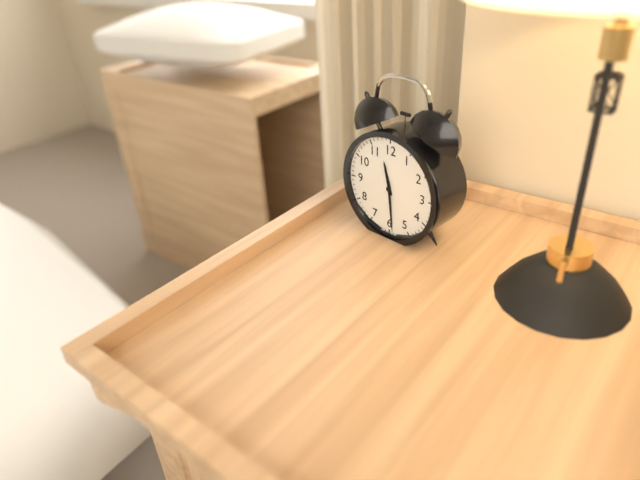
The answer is **11:29**
